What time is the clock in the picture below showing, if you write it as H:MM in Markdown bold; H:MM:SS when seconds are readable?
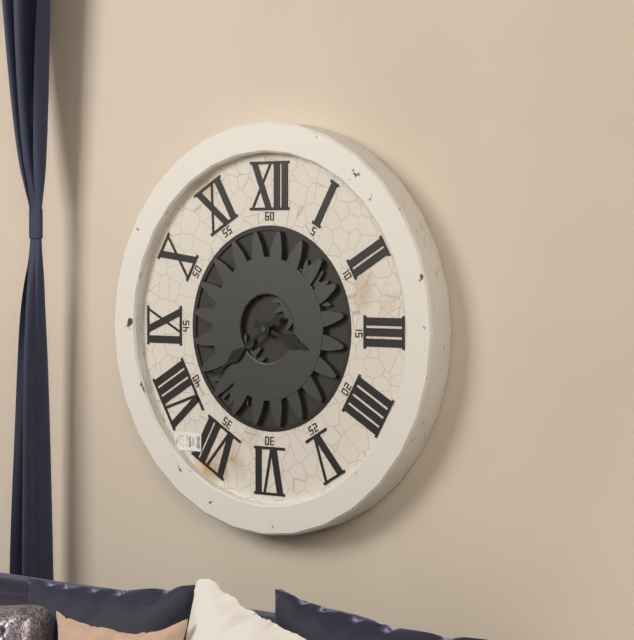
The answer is **3:39**
